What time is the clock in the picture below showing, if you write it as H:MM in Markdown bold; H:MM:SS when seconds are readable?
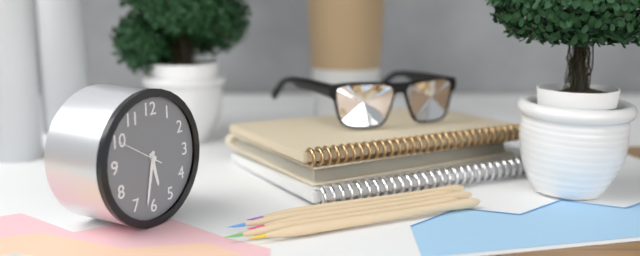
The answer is **5:32**
